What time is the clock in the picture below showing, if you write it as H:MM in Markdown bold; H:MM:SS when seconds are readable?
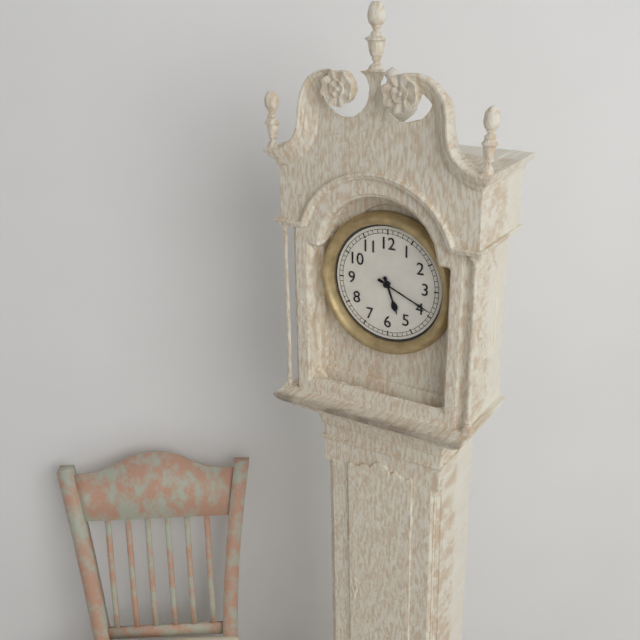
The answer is **5:19**
